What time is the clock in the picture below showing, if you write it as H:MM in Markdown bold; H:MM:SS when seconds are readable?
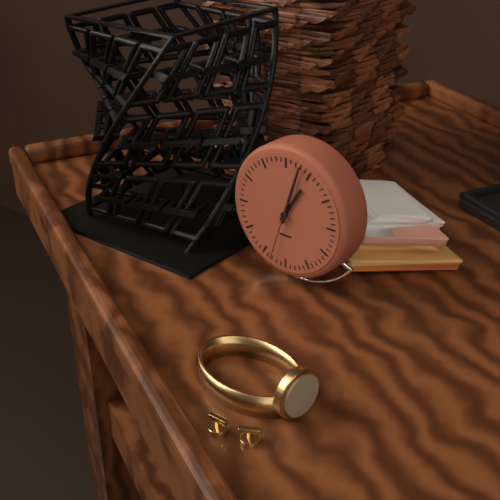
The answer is **1:03:33**
